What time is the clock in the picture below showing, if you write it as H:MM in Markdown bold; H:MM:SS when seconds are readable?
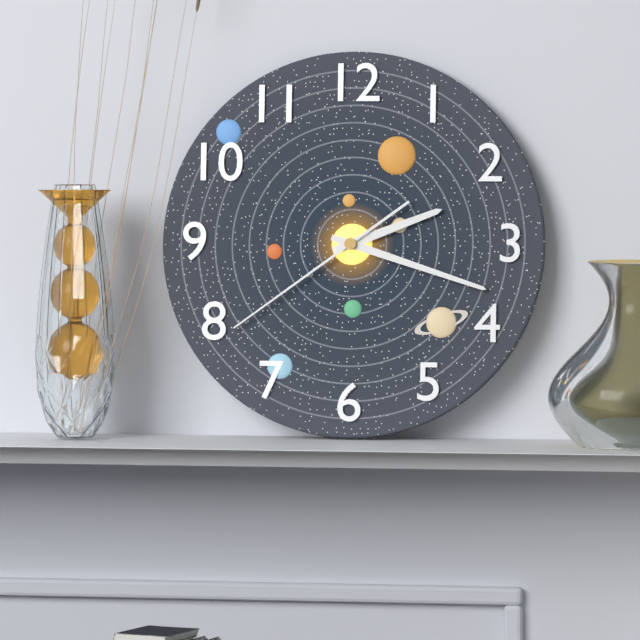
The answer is **2:18:39**
